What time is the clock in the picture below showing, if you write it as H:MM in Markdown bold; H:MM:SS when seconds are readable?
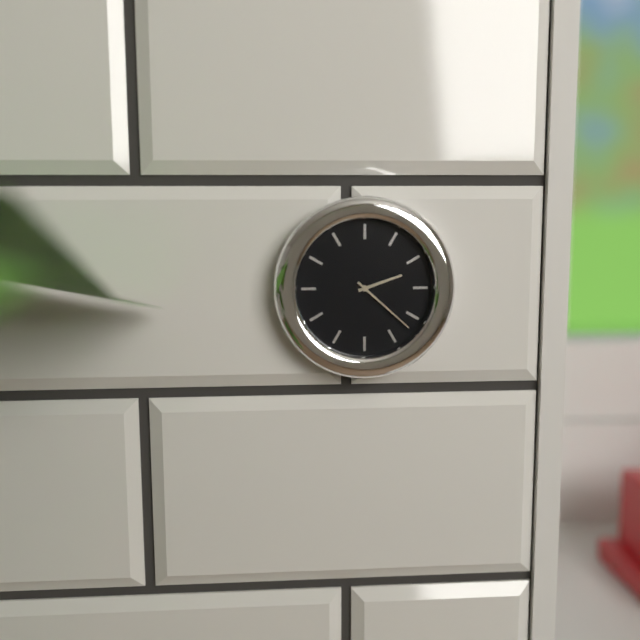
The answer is **2:22**
